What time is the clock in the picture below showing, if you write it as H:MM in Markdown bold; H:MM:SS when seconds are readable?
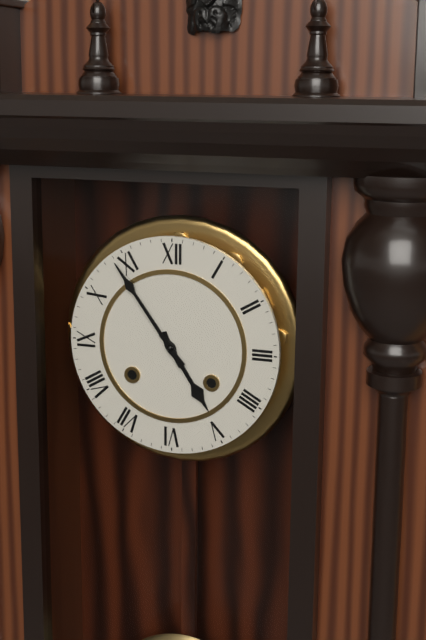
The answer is **4:54**
